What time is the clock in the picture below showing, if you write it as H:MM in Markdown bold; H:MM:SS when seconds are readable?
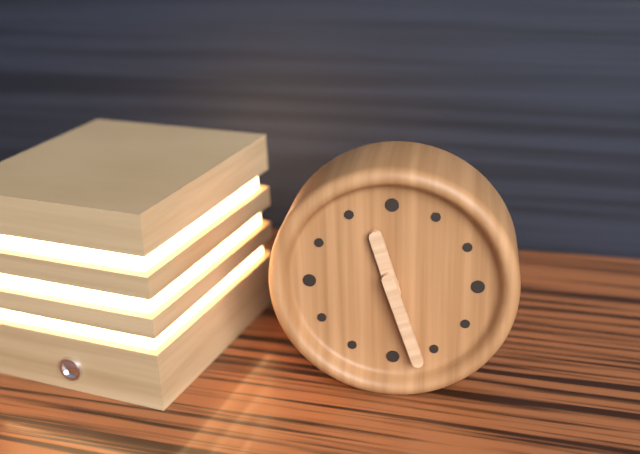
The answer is **11:27**
